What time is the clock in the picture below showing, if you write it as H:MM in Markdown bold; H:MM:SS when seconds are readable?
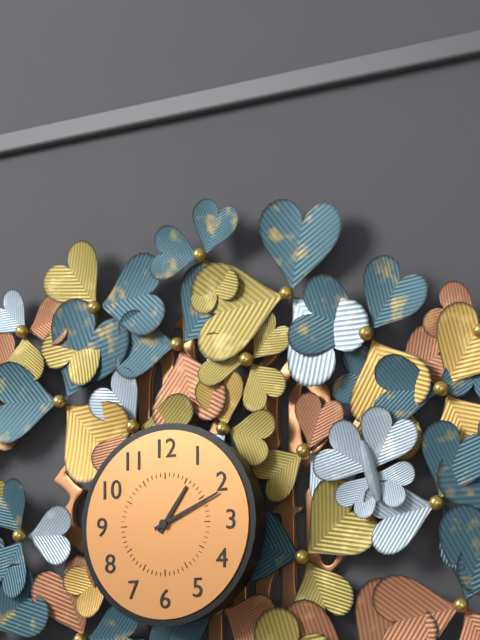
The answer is **1:11**
